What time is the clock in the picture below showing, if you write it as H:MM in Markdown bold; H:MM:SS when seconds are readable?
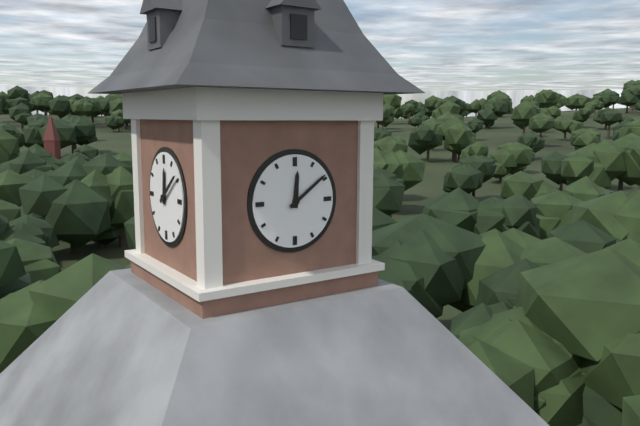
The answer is **12:09**
